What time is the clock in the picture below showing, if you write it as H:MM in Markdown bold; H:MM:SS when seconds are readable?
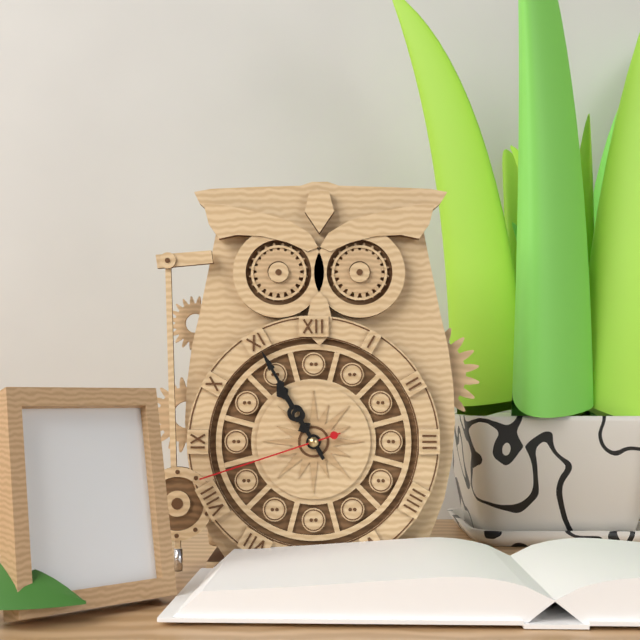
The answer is **10:55:42**
